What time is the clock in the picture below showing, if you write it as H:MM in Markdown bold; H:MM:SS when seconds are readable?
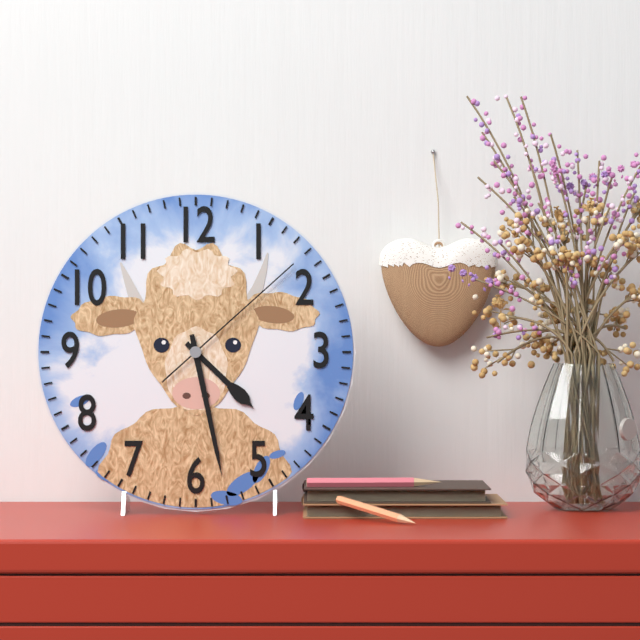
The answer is **4:28:08**
